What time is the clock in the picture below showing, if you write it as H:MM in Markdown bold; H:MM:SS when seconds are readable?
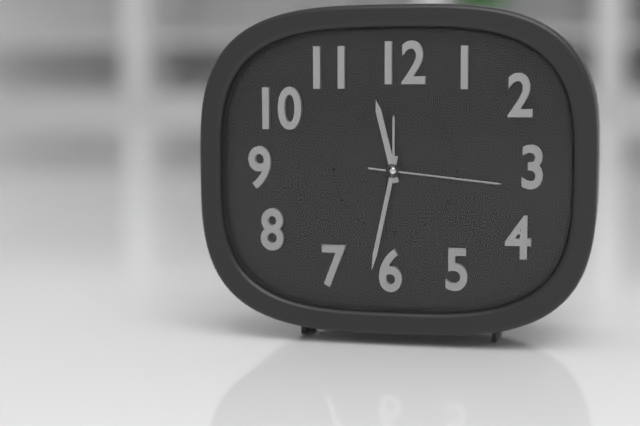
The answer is **11:32:16**
